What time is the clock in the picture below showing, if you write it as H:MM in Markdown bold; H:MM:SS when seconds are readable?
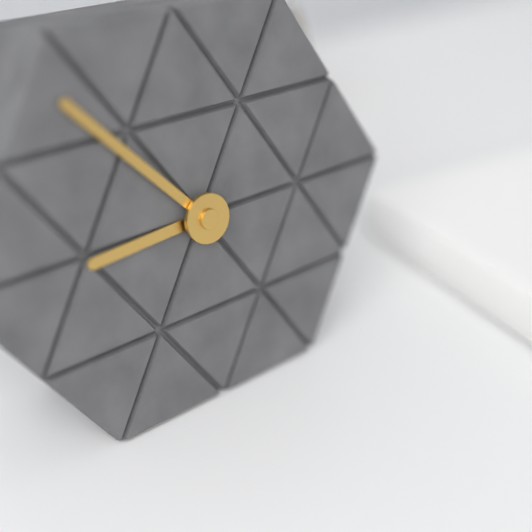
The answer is **8:53**
